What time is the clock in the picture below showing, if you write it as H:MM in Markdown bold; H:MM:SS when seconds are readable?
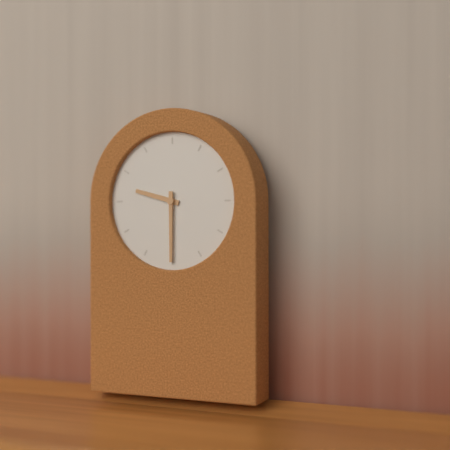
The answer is **9:30**
